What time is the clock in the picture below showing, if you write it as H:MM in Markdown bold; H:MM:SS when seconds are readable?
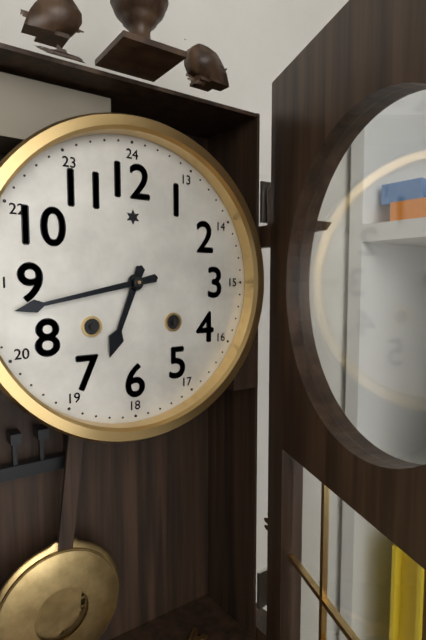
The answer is **6:43**
